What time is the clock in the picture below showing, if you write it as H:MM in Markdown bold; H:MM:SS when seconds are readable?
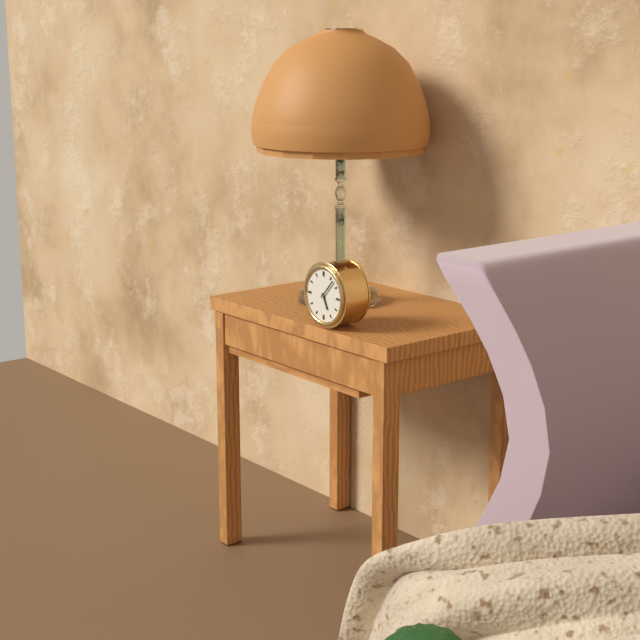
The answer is **5:07**
